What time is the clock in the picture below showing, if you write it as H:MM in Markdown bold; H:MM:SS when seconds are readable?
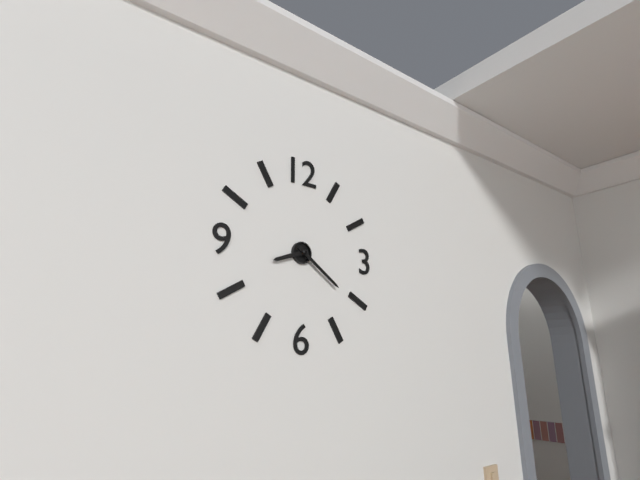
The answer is **8:21**
